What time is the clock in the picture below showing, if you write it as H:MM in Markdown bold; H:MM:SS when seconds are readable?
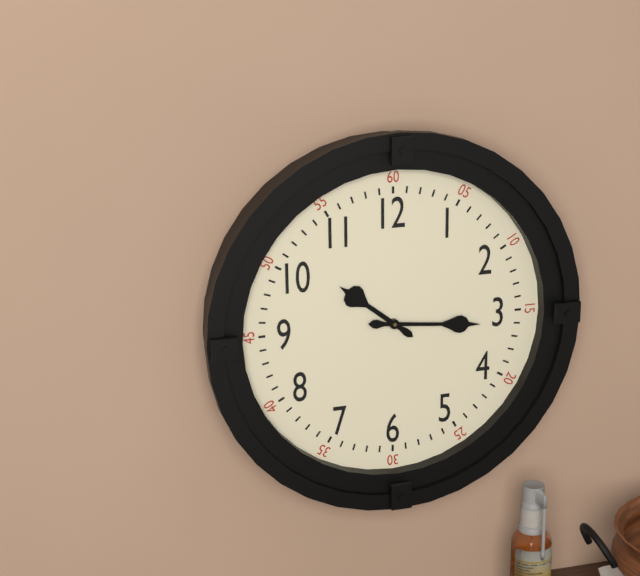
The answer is **10:16**
